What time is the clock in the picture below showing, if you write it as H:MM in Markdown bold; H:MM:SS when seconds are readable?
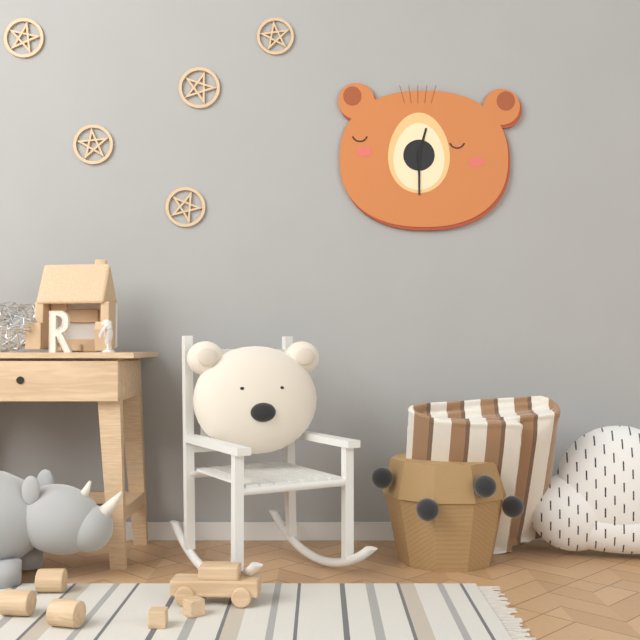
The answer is **12:30**
